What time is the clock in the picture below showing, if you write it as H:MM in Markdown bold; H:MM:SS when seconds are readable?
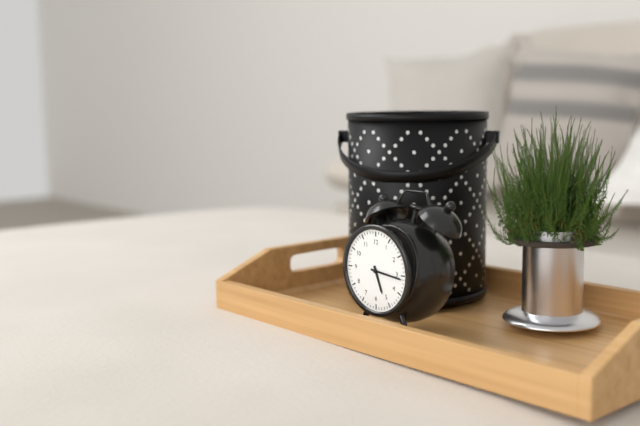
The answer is **5:16**
